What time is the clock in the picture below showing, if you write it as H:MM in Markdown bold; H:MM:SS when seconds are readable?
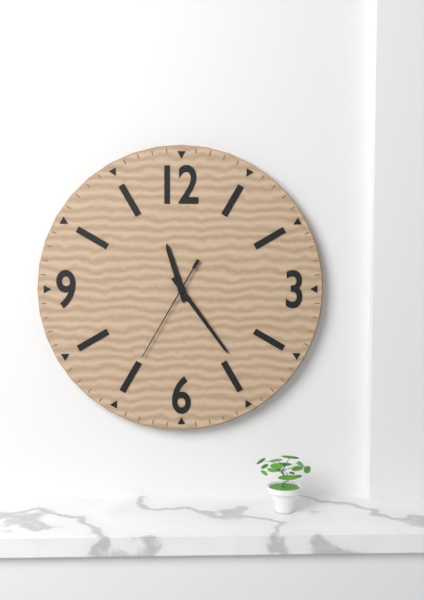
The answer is **11:24:35**
